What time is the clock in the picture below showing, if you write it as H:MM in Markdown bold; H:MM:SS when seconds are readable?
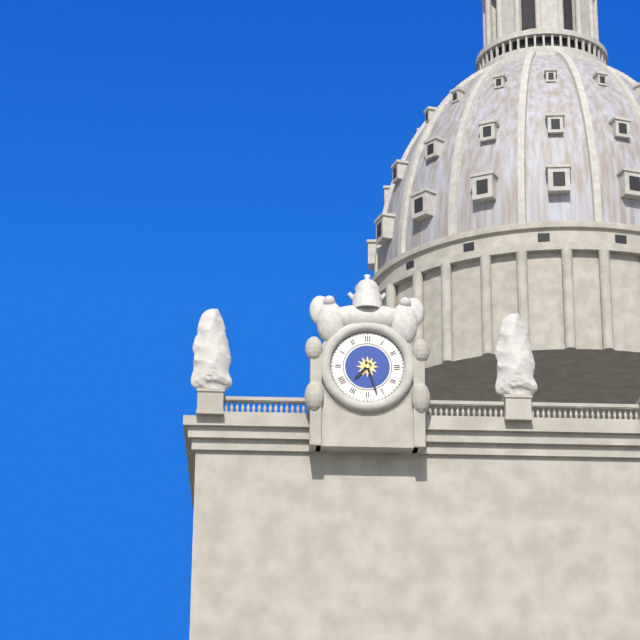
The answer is **7:27**
